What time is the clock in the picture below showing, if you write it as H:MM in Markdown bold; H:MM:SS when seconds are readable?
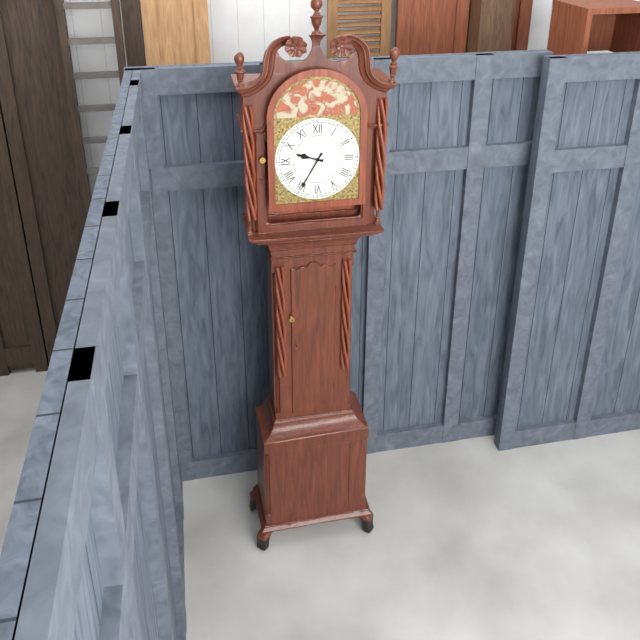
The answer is **9:35**
